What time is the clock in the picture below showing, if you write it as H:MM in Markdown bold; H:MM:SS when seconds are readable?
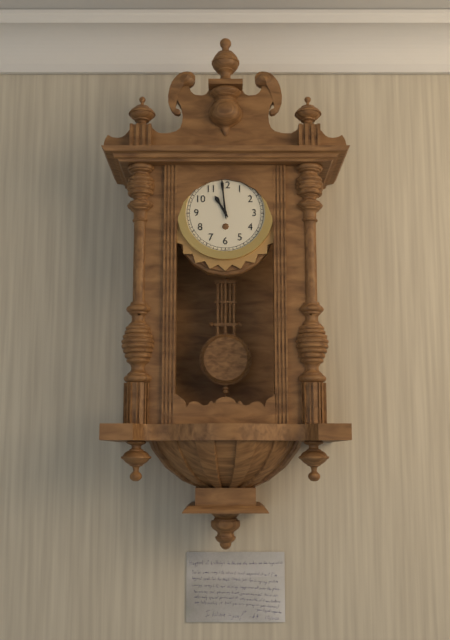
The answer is **10:59**
